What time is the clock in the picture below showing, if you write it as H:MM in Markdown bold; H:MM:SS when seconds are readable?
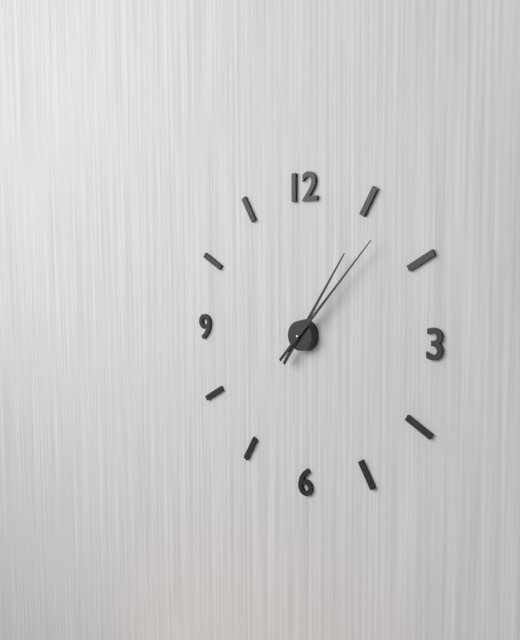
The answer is **1:07**
